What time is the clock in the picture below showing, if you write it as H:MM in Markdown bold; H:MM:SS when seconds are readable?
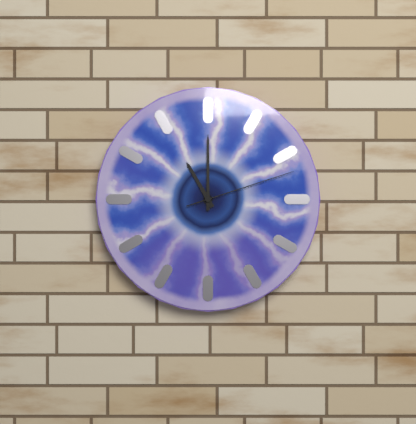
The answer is **11:00:12**
